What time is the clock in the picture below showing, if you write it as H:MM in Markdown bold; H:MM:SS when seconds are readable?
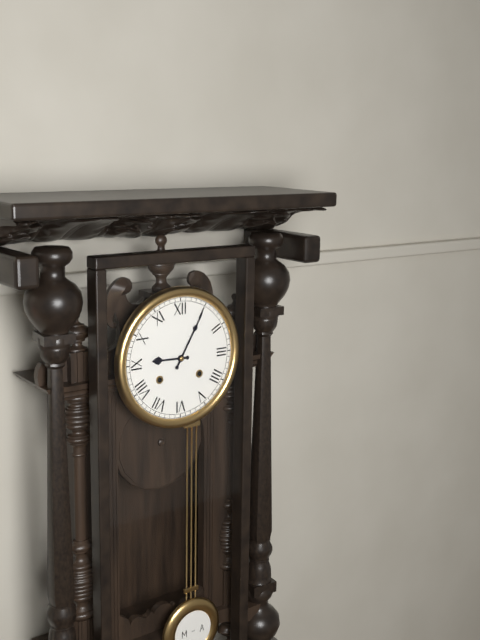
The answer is **9:05**
